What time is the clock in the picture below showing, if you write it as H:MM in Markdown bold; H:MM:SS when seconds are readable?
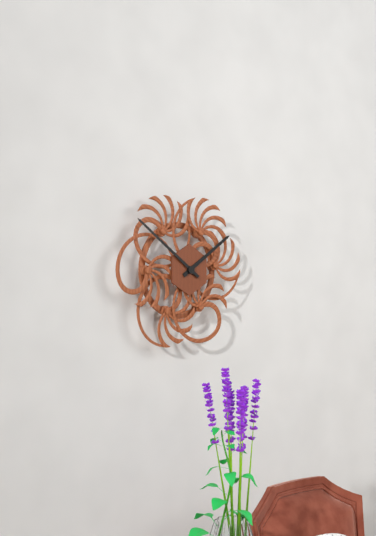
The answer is **1:51**
